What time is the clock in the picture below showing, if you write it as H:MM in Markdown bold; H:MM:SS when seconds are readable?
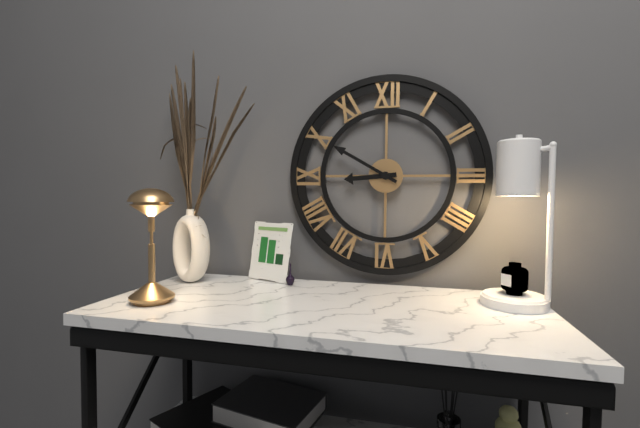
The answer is **8:50**
